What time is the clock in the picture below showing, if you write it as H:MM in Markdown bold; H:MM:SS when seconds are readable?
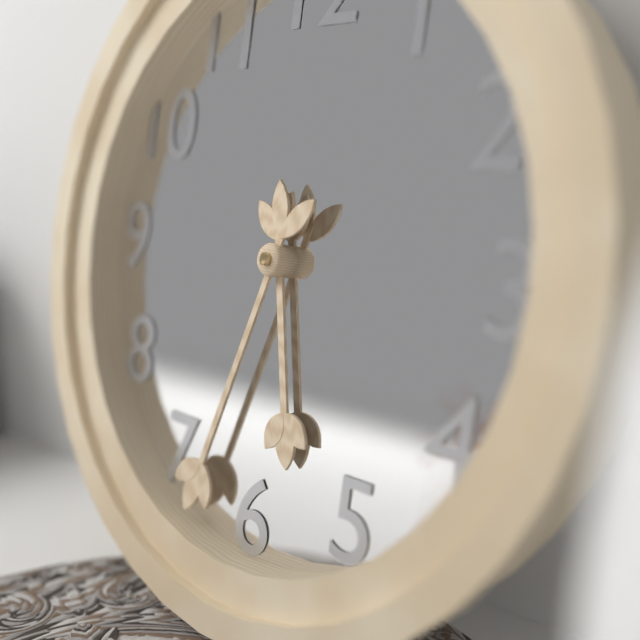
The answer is **5:33**
